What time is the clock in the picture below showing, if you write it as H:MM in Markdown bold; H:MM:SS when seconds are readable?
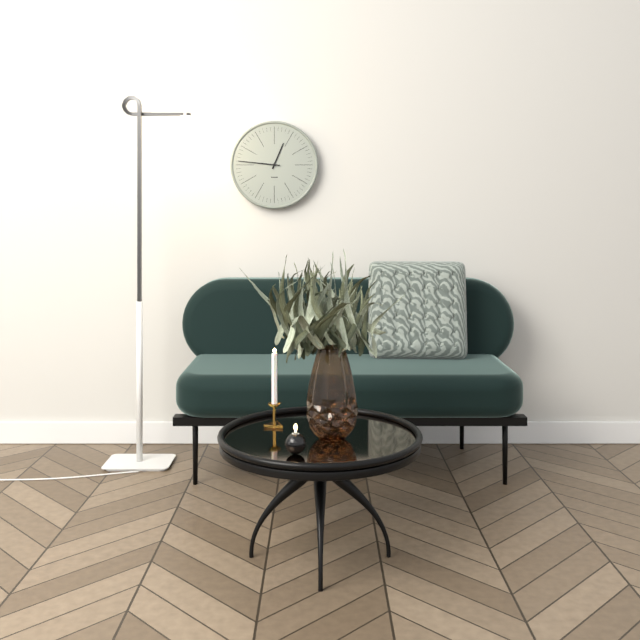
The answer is **12:46**
